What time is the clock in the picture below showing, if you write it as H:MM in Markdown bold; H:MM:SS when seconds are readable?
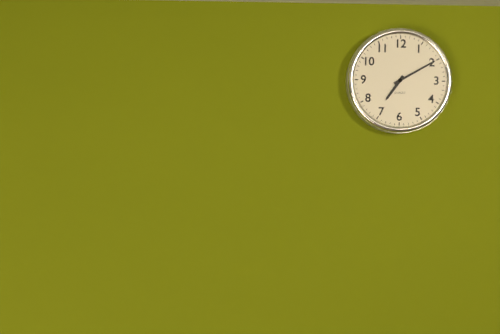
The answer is **7:10**
